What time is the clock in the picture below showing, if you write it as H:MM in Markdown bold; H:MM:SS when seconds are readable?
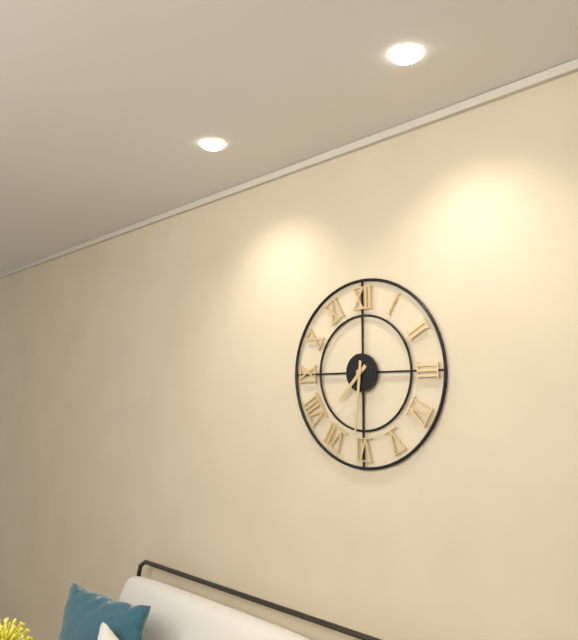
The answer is **7:31**
